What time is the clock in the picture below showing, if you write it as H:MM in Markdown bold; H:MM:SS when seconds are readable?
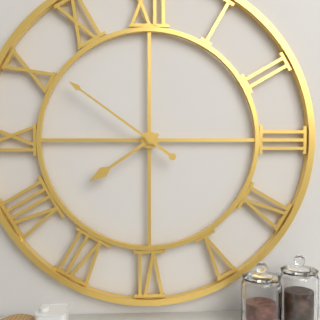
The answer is **7:51**
